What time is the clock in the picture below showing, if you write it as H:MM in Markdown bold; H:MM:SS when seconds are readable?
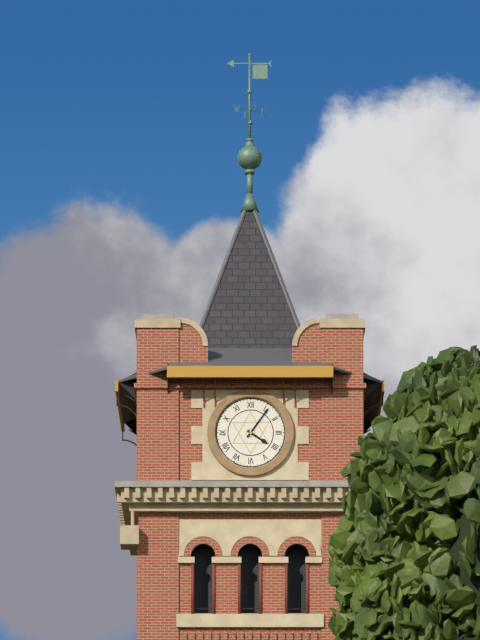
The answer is **4:06**
